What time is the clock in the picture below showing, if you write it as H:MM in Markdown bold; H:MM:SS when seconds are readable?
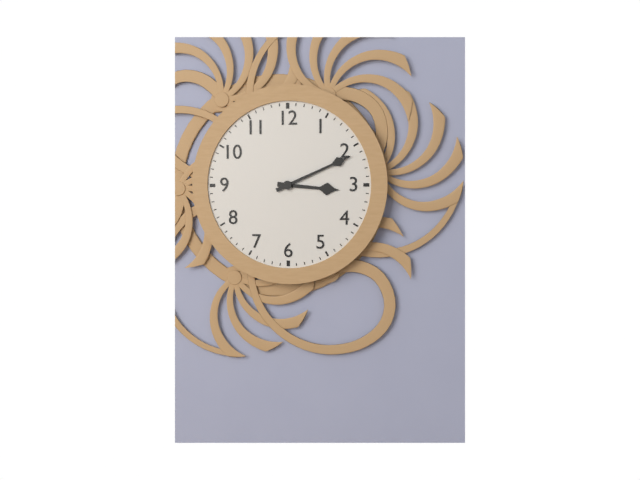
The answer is **3:11**
